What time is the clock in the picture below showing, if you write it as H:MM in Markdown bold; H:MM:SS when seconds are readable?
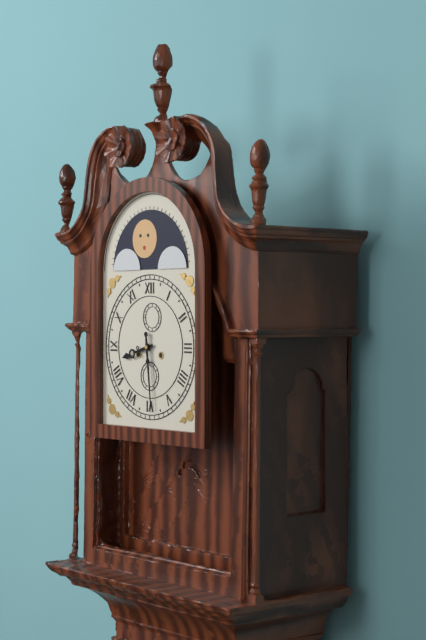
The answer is **8:29**
